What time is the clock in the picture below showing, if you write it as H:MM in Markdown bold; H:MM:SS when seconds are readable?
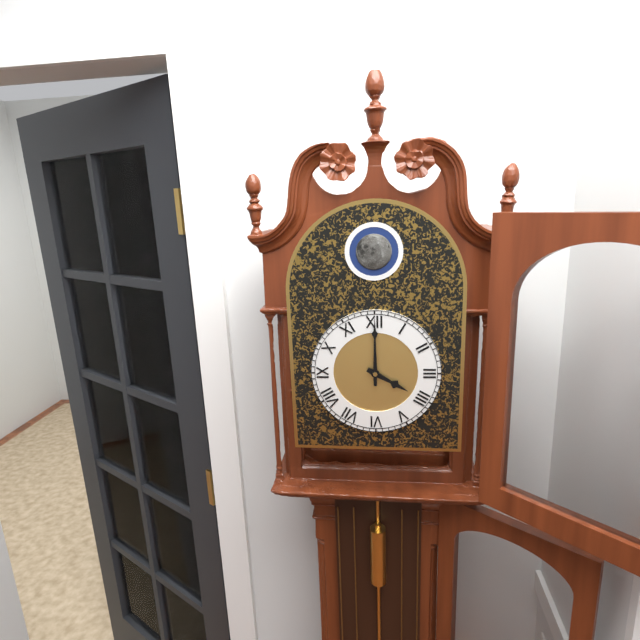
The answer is **4:00**
